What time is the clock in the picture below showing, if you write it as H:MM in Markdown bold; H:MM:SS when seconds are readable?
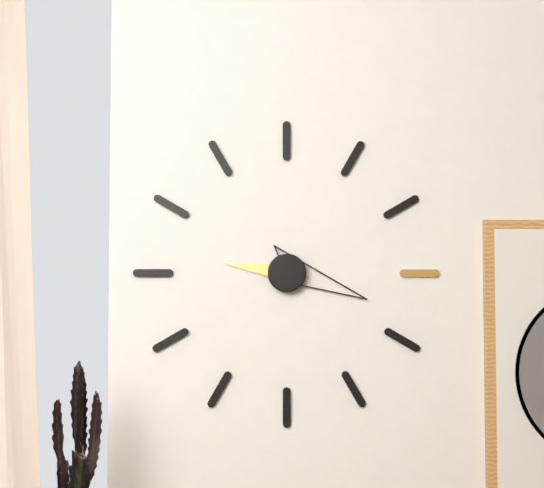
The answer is **9:18**
